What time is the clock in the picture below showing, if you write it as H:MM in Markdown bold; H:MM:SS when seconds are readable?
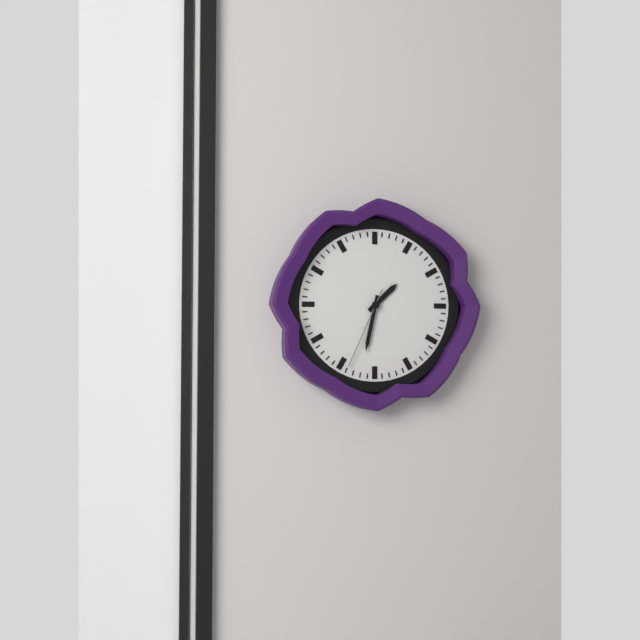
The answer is **1:32:34**
